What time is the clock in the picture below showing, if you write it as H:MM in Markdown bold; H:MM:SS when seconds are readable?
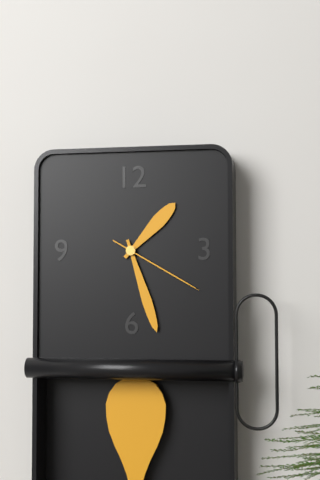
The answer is **1:27:20**
